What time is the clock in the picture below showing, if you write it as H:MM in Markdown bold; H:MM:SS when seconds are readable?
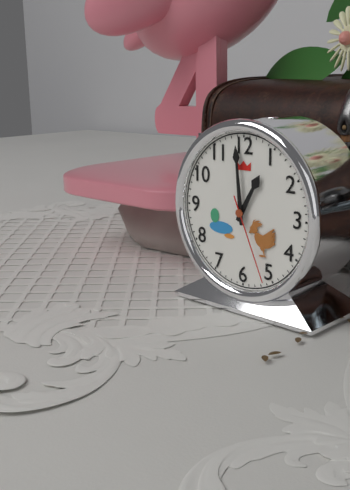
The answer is **12:59:26**
